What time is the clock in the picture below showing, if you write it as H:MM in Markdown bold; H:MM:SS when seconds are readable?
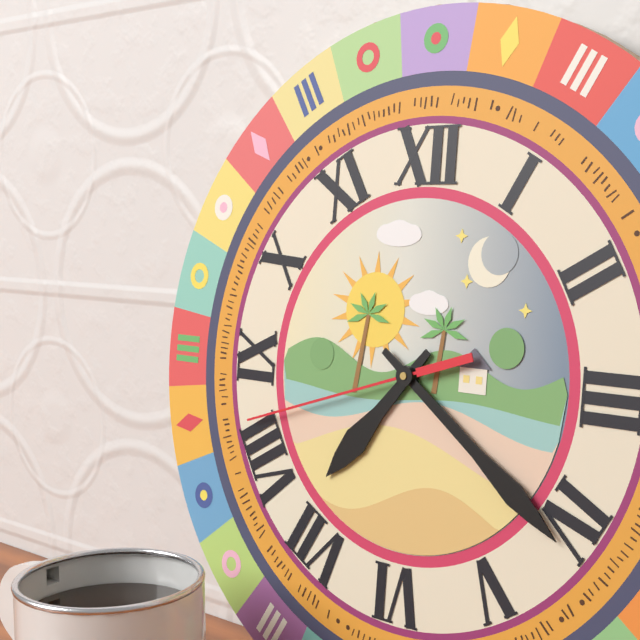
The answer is **7:21:42**
